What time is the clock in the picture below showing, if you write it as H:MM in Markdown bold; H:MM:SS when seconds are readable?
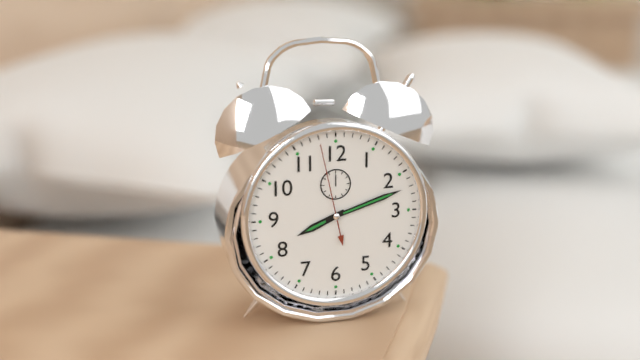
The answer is **8:12:58**
